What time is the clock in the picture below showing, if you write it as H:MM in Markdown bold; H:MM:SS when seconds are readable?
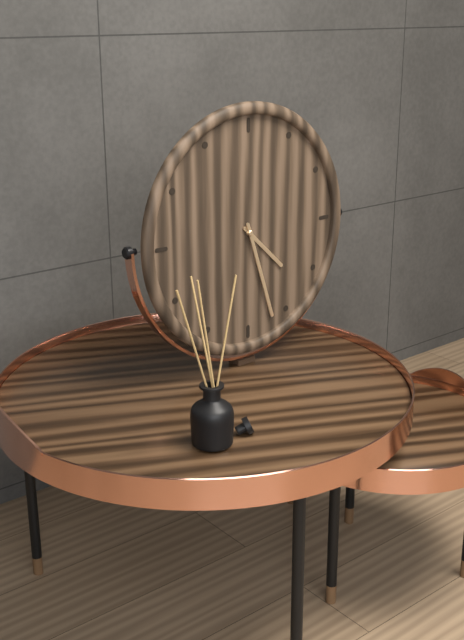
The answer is **4:27**
